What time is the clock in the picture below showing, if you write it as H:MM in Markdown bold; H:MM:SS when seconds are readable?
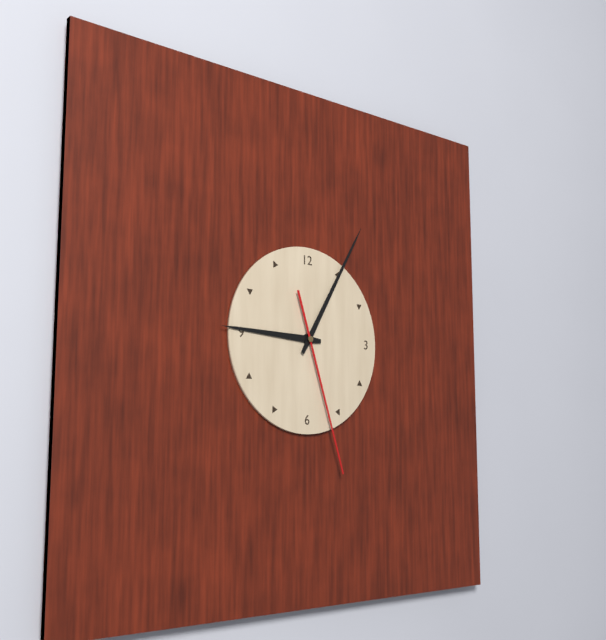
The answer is **9:05:27**
